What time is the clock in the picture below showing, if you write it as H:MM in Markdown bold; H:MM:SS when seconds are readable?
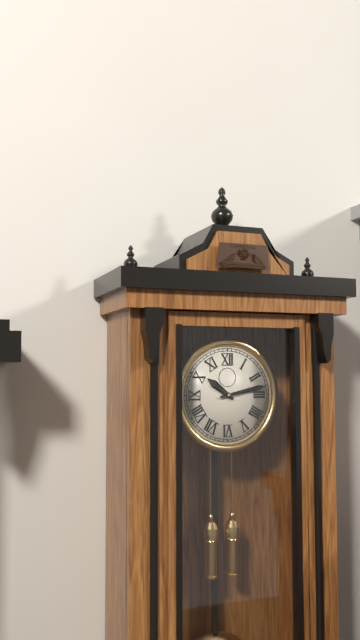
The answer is **10:13**
